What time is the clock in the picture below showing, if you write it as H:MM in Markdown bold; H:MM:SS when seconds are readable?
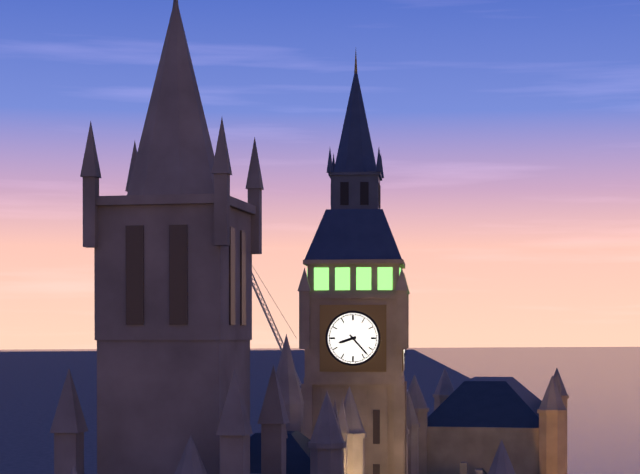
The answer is **8:23**
